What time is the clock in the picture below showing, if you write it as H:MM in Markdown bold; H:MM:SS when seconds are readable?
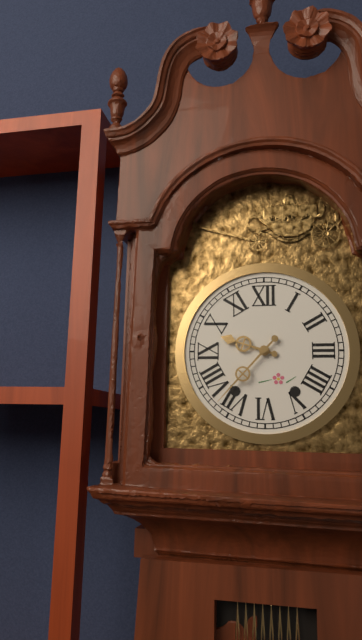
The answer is **9:37**
